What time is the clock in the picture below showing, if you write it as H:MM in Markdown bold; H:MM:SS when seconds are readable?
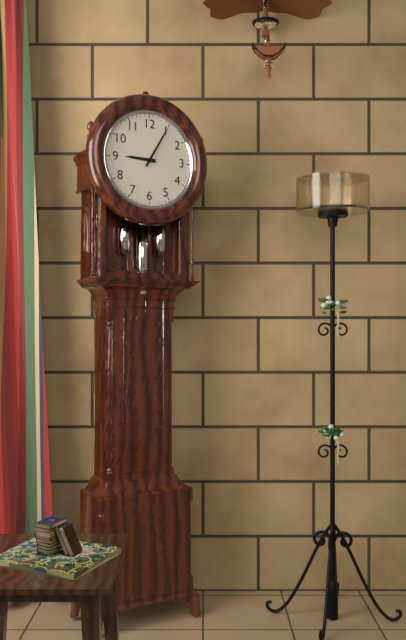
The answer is **9:05**
